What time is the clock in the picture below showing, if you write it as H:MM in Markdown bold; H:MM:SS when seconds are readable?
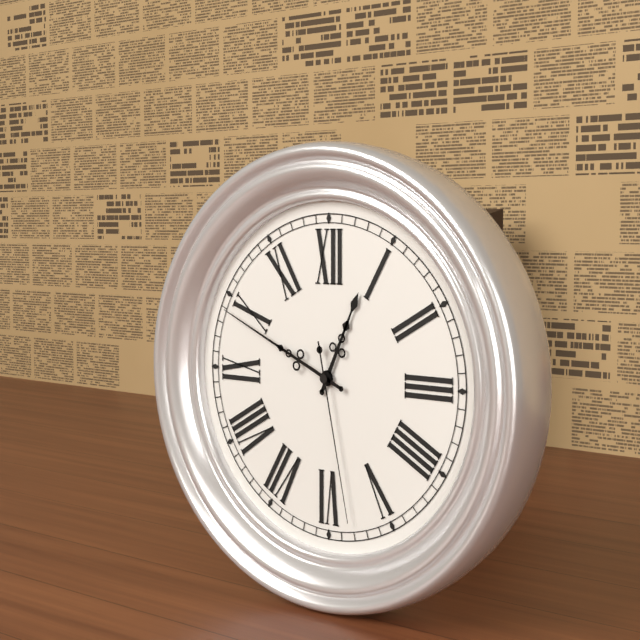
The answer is **12:49:28**
